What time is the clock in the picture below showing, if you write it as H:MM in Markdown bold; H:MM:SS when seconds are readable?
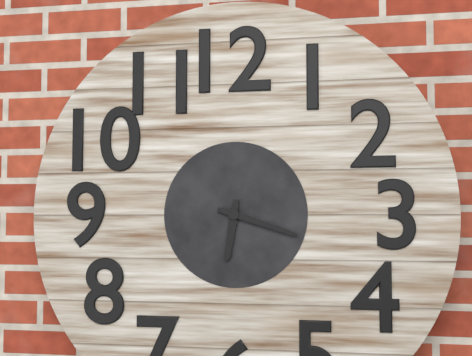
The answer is **6:18**
